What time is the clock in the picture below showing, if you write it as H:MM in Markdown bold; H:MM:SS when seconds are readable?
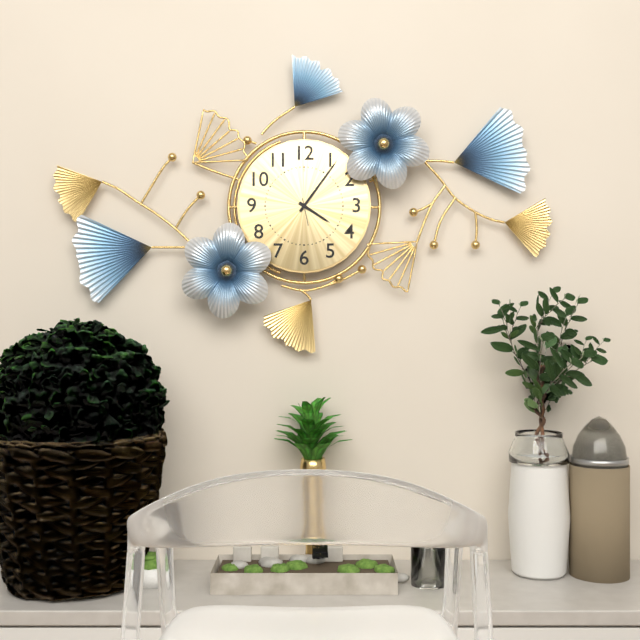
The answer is **4:06**
